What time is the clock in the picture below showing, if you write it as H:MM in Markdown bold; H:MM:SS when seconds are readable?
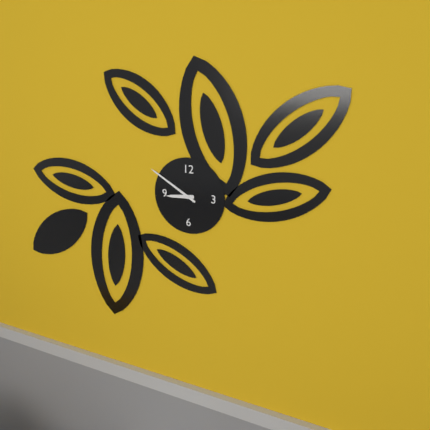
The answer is **8:50**
